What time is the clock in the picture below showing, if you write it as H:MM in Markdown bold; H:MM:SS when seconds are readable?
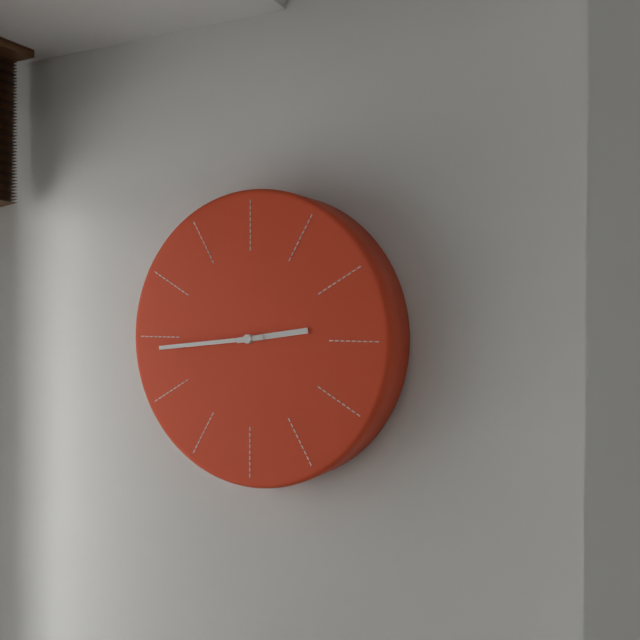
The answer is **2:44**
